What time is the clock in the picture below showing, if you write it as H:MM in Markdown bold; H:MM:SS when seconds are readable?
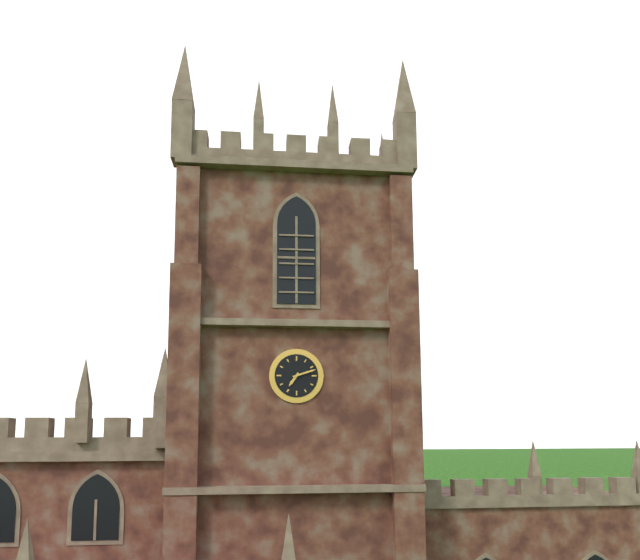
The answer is **7:12**
